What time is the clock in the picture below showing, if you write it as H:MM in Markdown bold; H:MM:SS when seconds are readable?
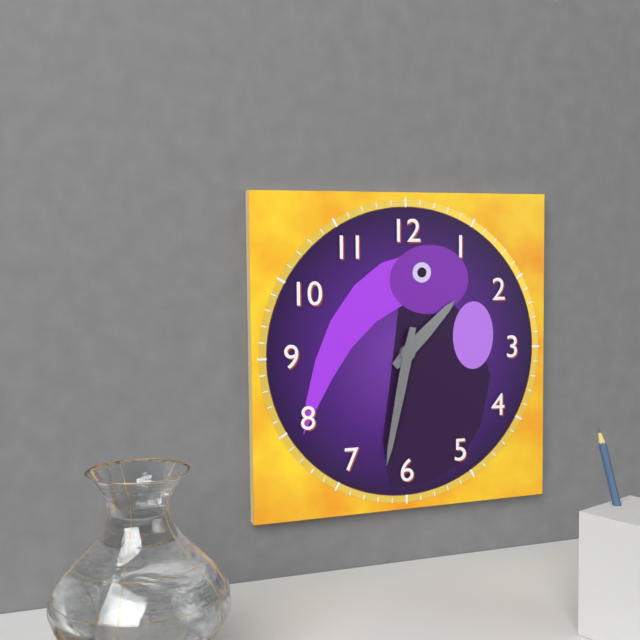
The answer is **1:32**
